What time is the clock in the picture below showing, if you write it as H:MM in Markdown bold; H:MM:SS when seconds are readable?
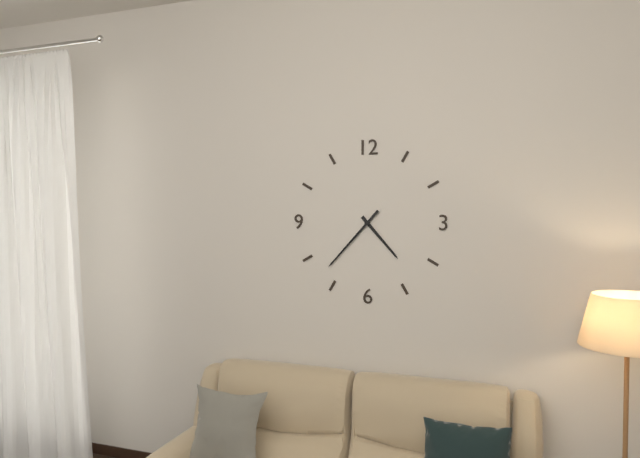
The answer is **4:37**
